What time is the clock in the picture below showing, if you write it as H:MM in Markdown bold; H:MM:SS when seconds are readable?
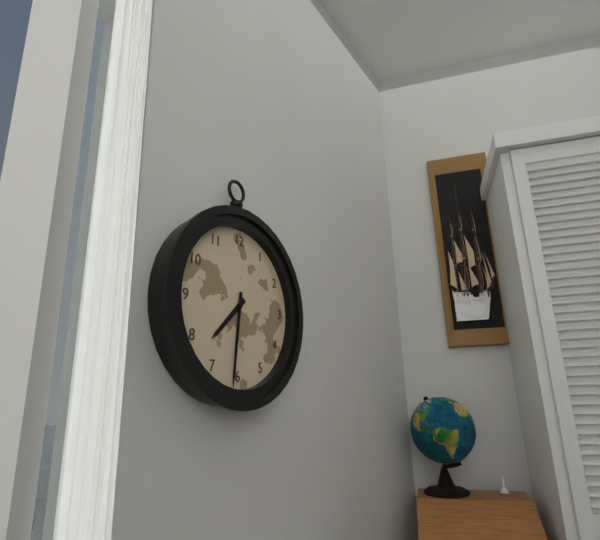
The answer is **7:31**
